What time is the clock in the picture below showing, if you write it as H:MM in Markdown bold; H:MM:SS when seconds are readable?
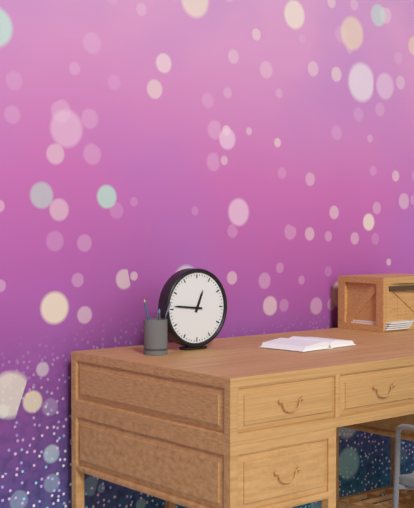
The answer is **12:46**
